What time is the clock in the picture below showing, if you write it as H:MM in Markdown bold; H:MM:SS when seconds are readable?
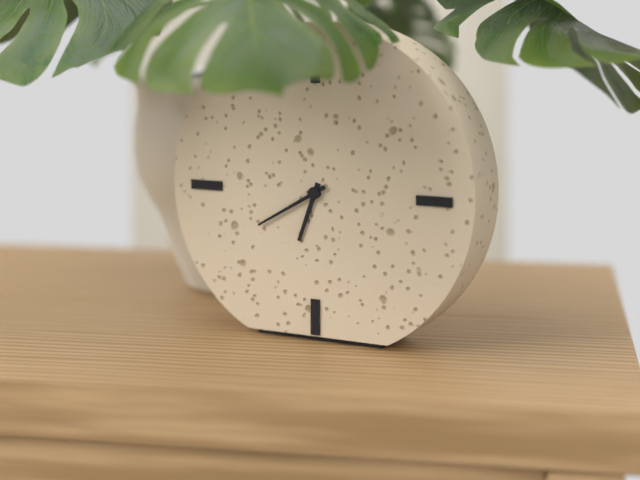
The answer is **6:40**
